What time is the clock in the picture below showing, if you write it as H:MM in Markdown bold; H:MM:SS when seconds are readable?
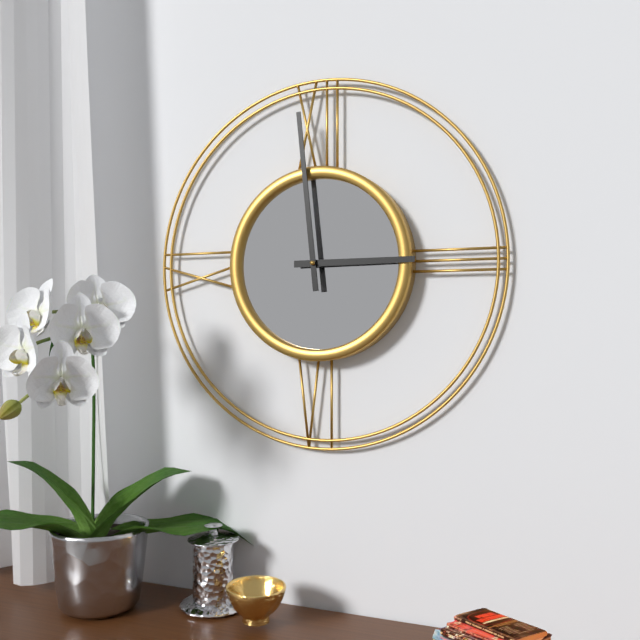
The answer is **2:59**
